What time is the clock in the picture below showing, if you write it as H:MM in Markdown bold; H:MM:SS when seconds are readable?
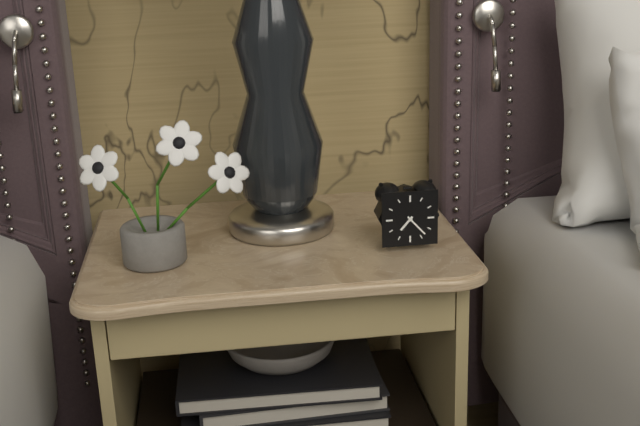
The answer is **7:23**
